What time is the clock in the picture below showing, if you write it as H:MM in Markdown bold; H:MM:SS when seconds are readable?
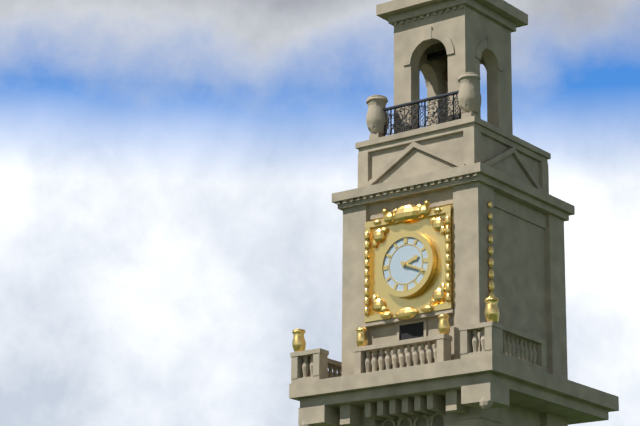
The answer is **2:19**
